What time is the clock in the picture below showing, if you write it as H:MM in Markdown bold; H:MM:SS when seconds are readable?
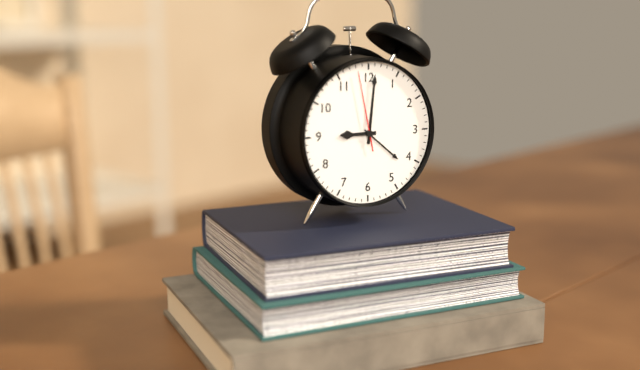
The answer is **9:01:58**
